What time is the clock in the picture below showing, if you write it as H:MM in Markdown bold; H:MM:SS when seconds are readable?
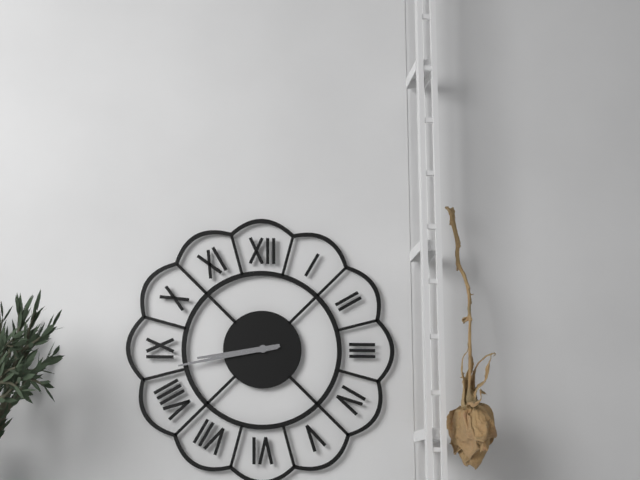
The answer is **8:43**
